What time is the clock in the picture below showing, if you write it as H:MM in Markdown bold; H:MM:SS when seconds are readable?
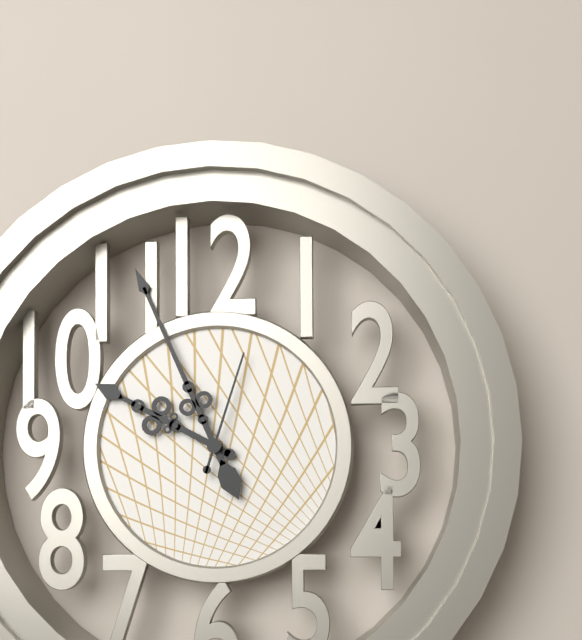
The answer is **9:56:03**
